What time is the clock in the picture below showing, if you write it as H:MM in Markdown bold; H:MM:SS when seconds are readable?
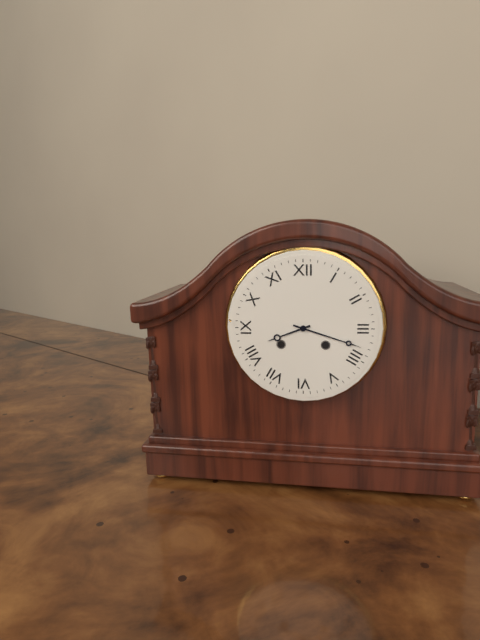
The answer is **8:18**
